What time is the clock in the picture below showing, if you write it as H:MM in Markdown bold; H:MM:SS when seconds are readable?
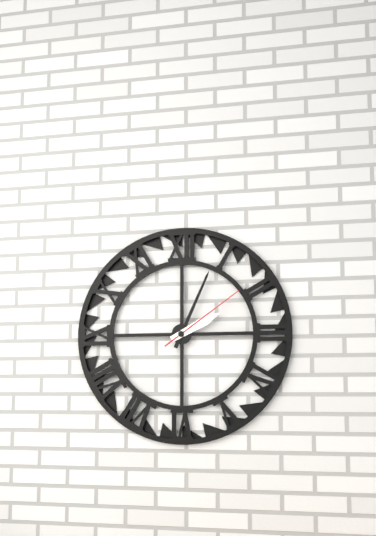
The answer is **2:04:09**
